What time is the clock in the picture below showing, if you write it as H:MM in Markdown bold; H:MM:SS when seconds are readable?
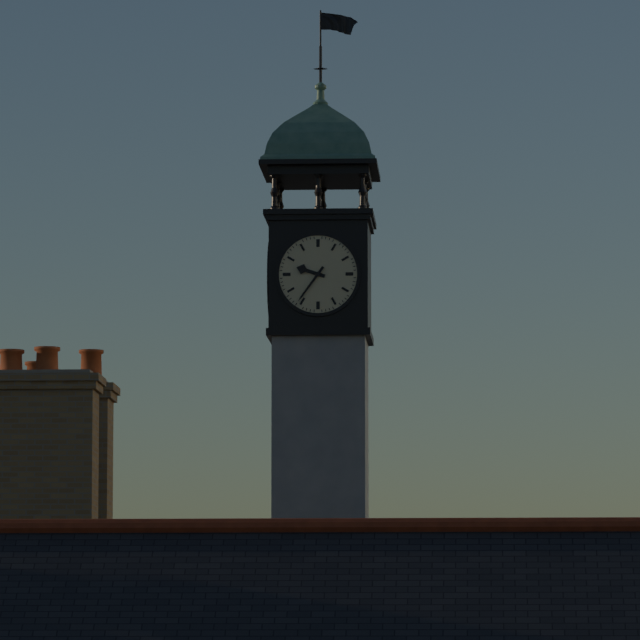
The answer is **9:36**
